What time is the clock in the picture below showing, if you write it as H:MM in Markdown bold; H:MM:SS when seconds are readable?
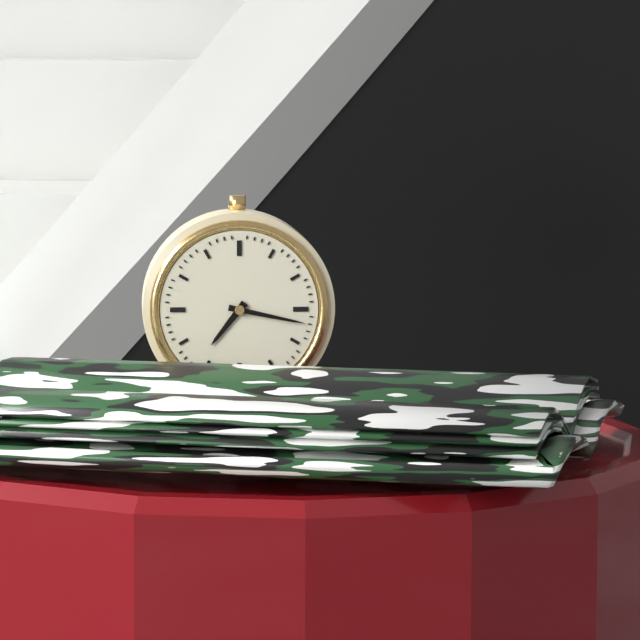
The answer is **7:17**
